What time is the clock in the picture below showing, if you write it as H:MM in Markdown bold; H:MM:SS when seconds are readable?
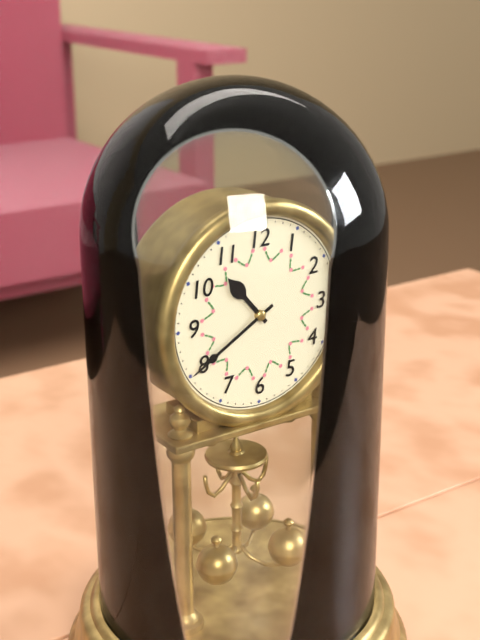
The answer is **10:40**
